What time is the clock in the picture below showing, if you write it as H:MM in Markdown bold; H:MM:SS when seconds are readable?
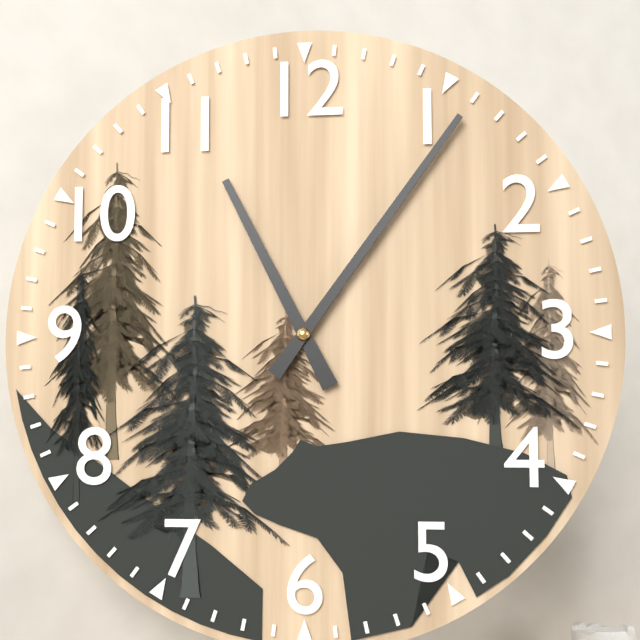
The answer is **11:06**
